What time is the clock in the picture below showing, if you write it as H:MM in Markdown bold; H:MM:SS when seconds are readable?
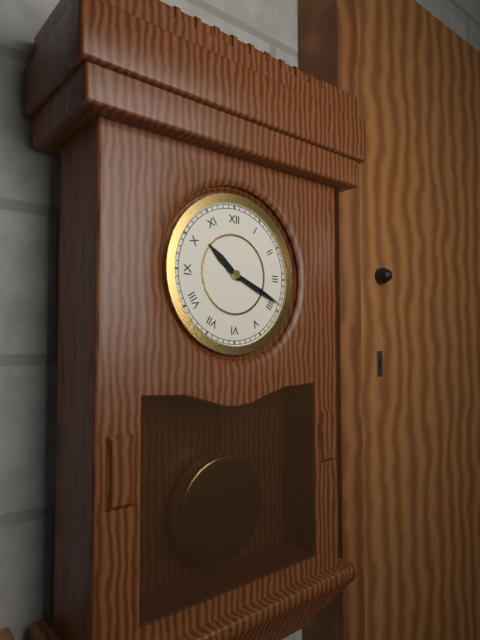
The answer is **10:19**
